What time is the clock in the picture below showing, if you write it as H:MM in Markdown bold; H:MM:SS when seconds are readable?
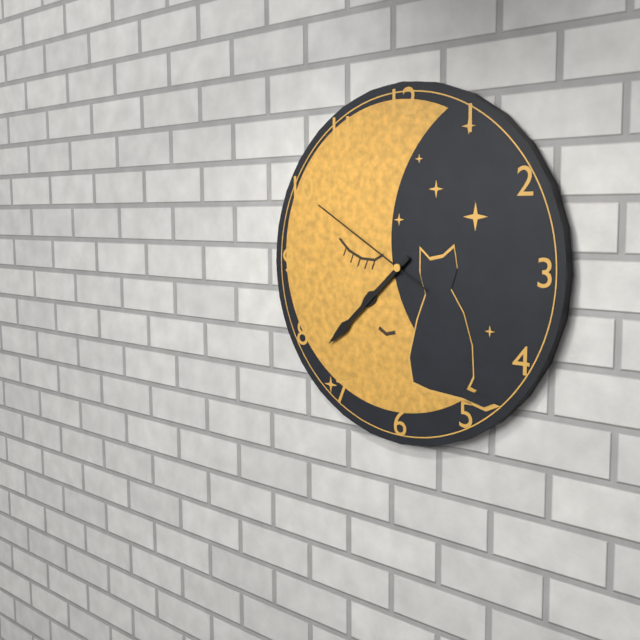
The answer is **7:38:50**
